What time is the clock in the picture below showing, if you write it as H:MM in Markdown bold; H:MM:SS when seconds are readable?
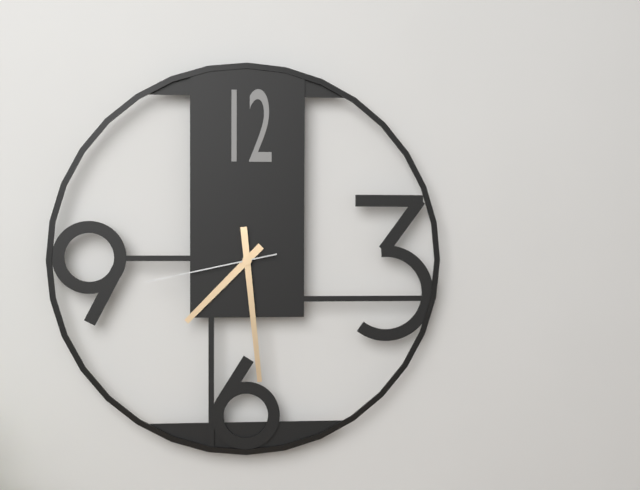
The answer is **7:29:43**
